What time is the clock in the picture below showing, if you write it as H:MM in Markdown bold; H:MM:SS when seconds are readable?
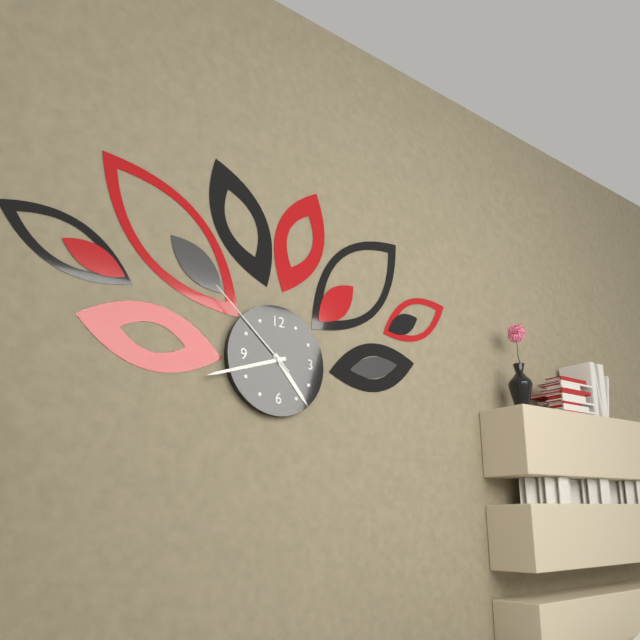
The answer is **4:42:52**
